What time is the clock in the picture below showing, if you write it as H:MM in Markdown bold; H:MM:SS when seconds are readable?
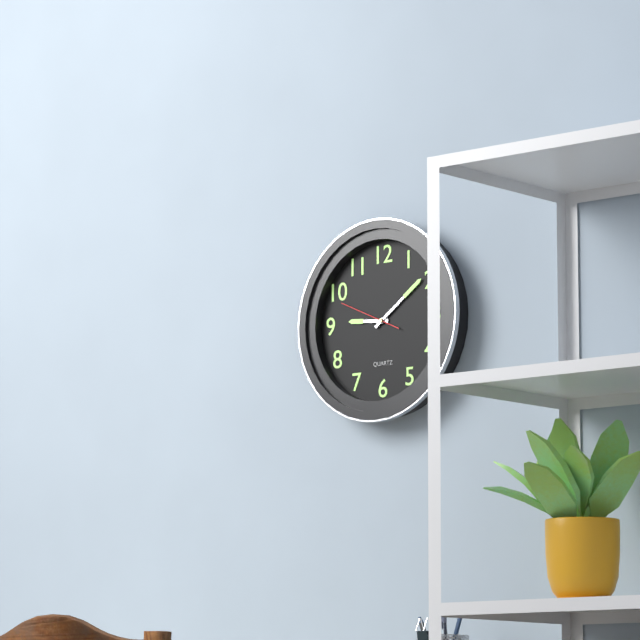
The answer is **9:09:49**
